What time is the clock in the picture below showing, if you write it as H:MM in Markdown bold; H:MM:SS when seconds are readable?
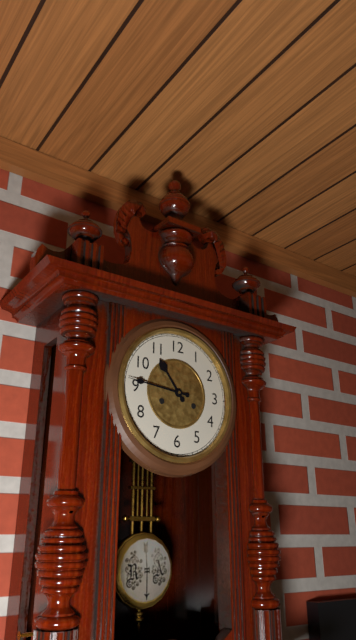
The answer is **10:46**
